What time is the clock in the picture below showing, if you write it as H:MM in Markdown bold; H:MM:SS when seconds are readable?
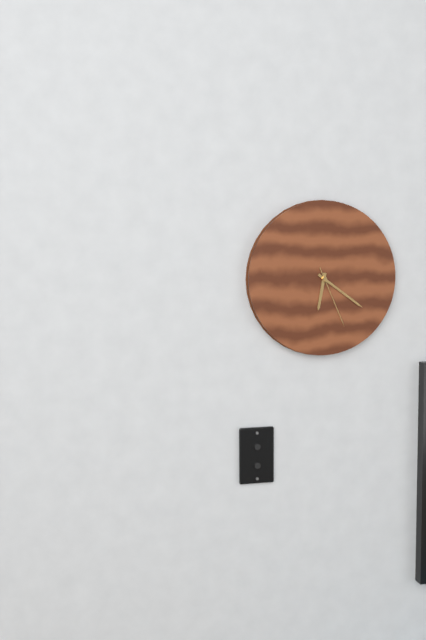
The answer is **6:21:26**
